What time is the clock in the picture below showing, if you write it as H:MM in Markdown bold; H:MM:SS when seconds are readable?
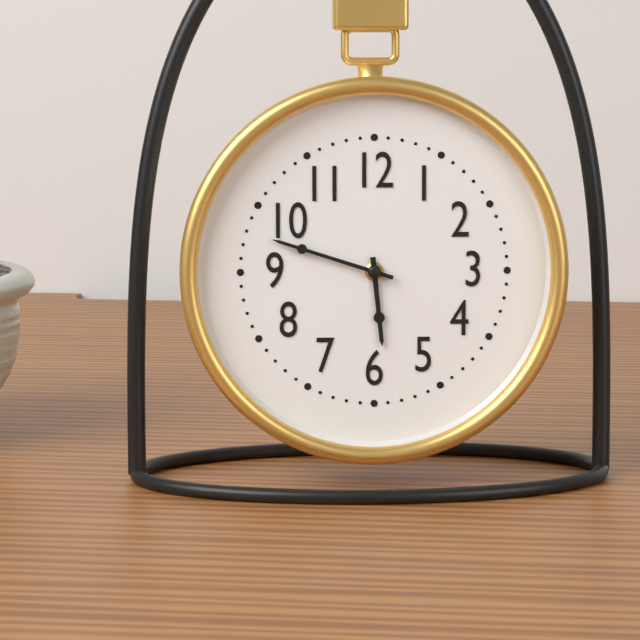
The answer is **5:48**
